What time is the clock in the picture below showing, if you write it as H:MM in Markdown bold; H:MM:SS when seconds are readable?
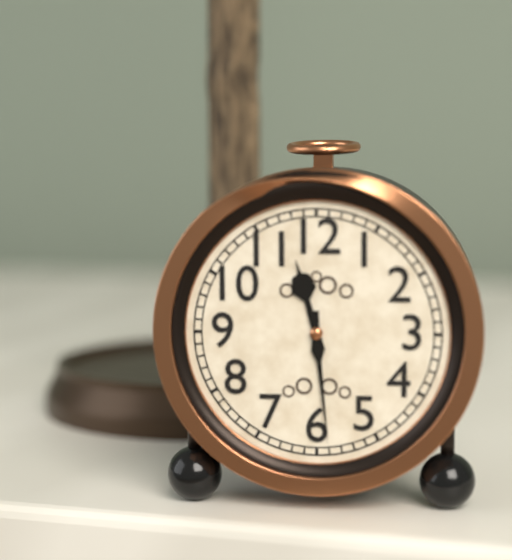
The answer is **11:29**
